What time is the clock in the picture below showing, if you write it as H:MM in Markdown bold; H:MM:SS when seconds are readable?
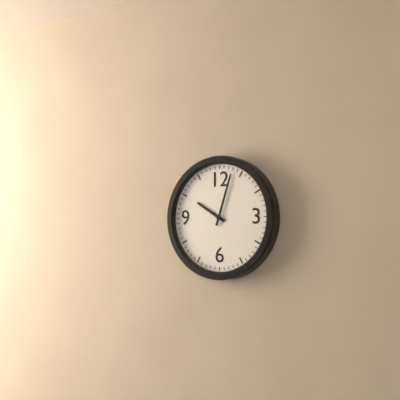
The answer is **10:03**
